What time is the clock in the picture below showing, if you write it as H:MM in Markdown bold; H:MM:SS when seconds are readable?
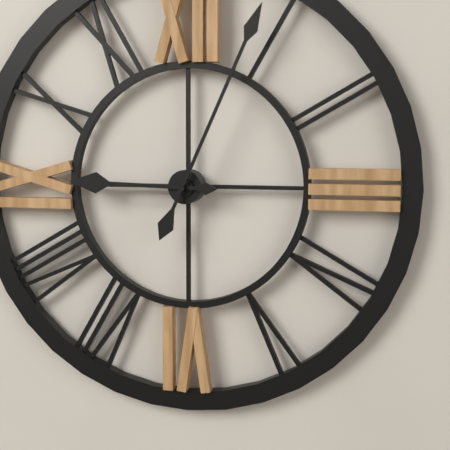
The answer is **9:04**
